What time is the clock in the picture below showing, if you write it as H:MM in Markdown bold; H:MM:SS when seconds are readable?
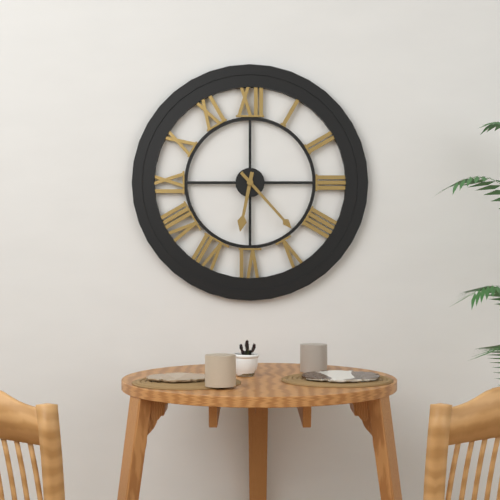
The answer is **6:23**
